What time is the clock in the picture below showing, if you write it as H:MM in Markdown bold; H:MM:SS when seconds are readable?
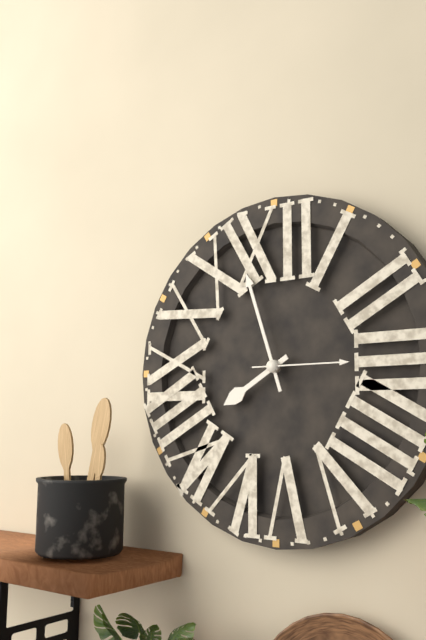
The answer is **7:57:15**
